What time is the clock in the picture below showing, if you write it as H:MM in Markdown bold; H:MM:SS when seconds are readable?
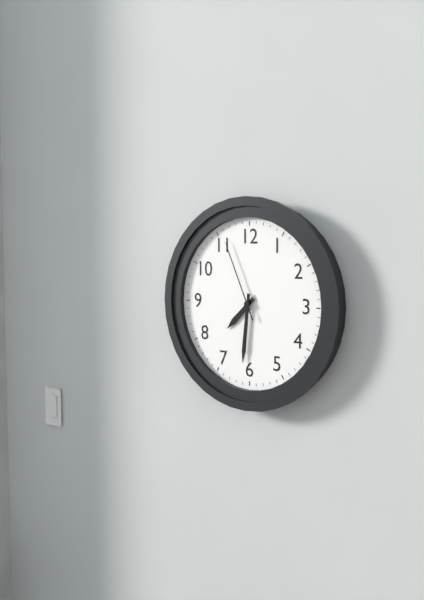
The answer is **7:31:56**
